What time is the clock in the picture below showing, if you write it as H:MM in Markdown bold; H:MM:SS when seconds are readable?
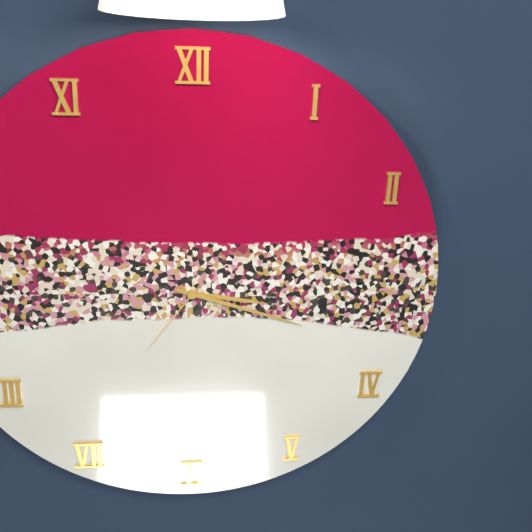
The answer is **3:18:36**
